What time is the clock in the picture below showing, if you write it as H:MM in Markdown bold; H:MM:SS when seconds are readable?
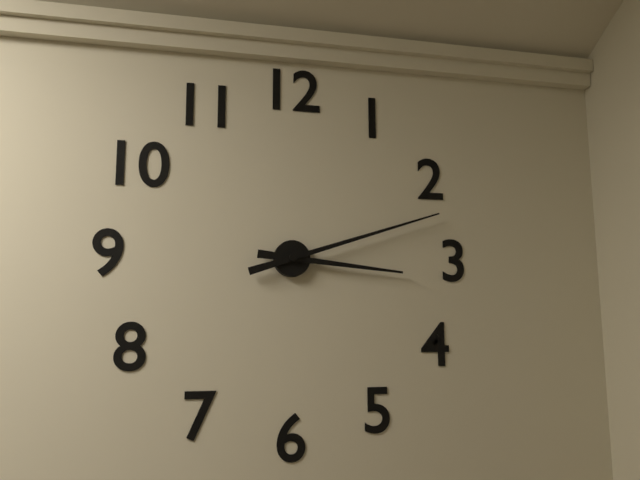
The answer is **3:12**
